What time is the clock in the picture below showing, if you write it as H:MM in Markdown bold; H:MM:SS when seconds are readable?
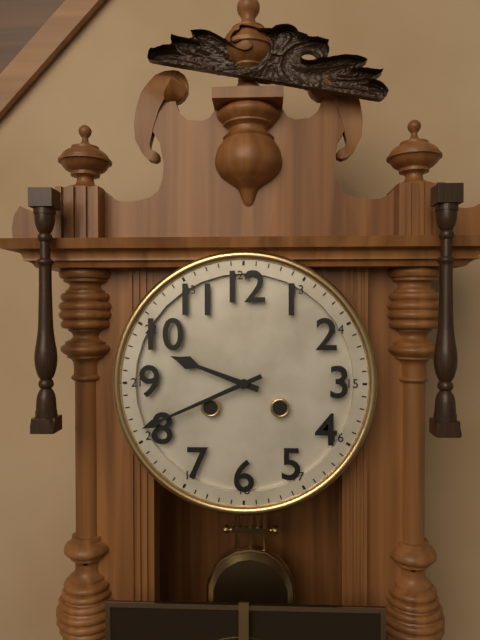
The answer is **9:41**
